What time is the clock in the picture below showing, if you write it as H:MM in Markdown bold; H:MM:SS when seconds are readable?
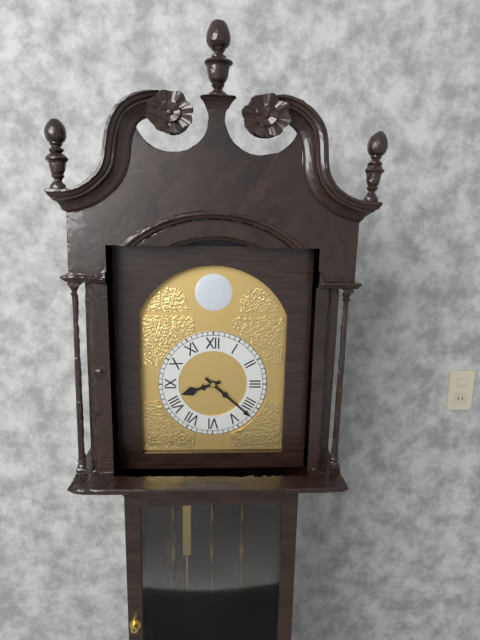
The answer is **8:22**
